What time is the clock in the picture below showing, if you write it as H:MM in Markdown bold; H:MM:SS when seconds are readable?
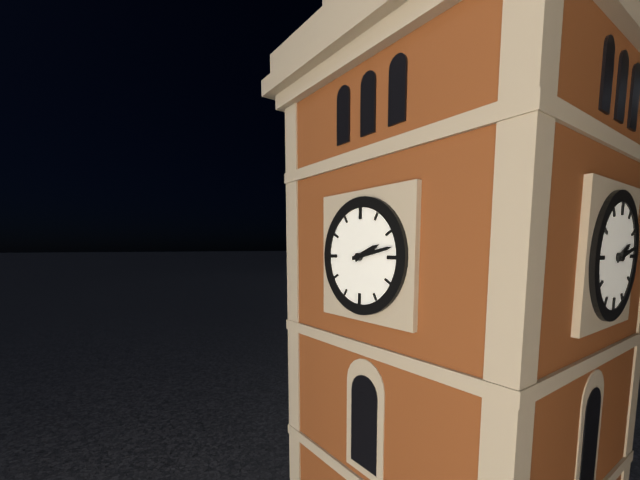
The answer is **2:13**
